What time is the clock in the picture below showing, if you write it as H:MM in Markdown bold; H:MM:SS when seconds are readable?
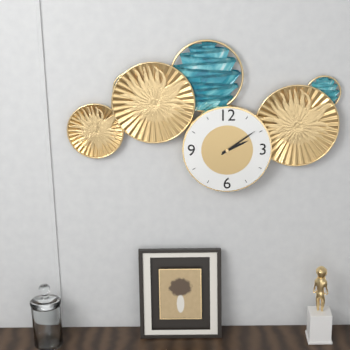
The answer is **2:09**
